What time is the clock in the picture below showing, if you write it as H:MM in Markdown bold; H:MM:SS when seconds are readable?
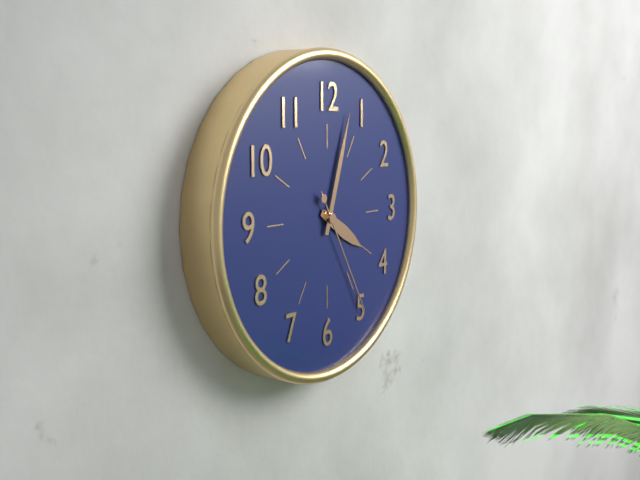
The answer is **4:03:25**
